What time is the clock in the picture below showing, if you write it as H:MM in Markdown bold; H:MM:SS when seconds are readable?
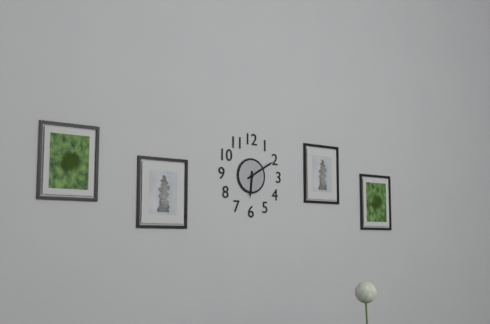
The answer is **6:10**
